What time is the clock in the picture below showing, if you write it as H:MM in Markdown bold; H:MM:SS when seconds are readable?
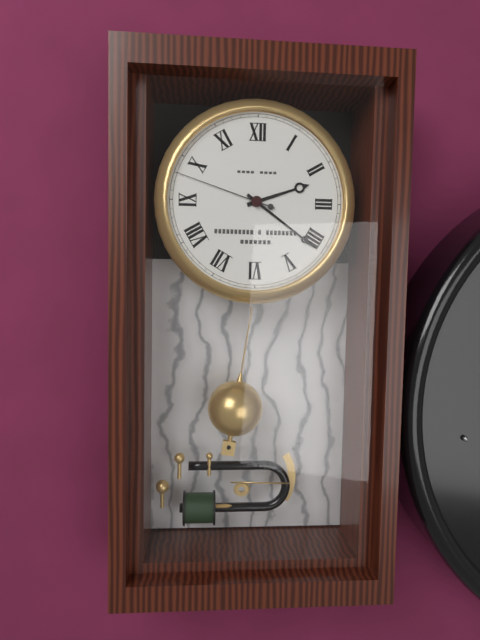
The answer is **2:21:48**
